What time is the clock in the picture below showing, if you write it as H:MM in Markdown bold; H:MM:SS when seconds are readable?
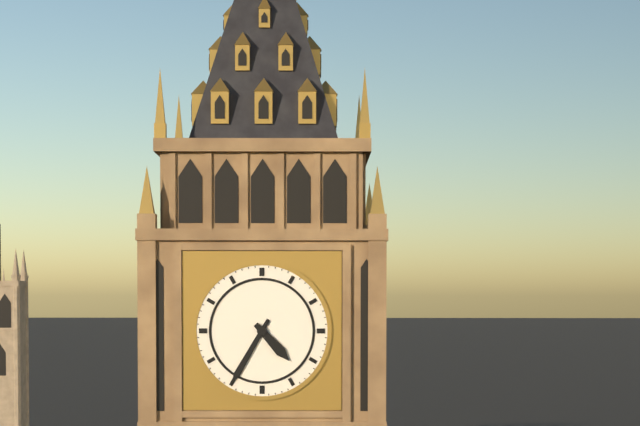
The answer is **4:35**
